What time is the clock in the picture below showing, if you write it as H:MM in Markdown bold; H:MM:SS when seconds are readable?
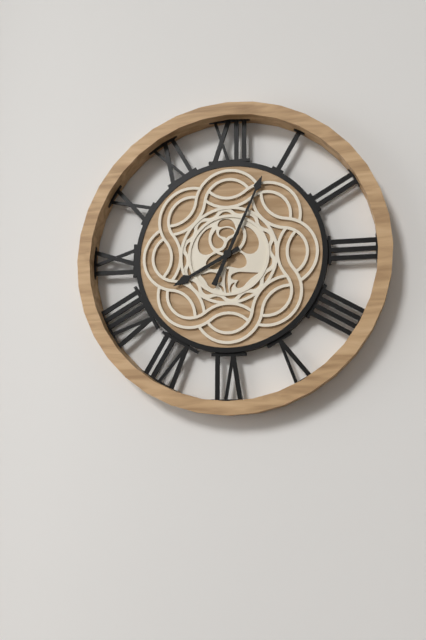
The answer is **8:04**
